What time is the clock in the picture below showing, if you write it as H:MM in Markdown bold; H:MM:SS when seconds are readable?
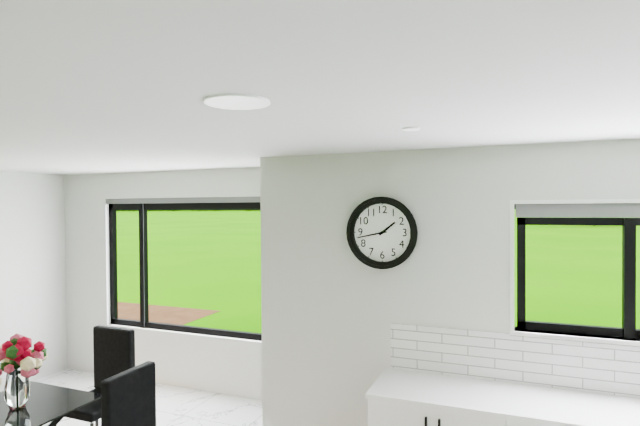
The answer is **1:43**
